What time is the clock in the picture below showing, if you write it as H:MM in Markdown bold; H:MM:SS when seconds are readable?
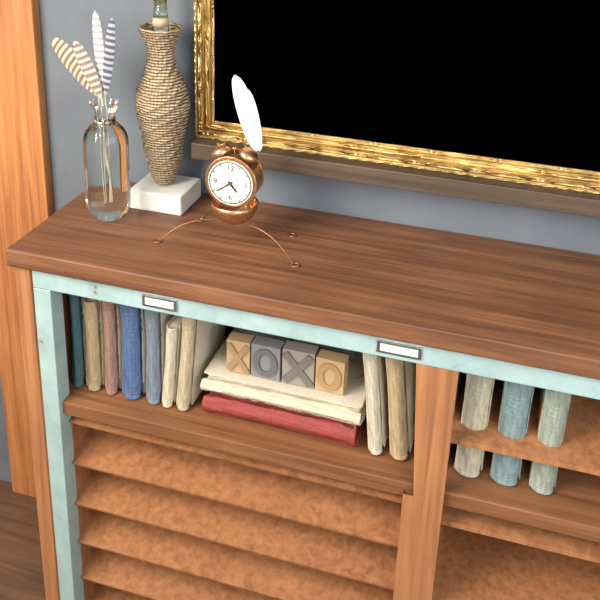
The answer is **4:39**
